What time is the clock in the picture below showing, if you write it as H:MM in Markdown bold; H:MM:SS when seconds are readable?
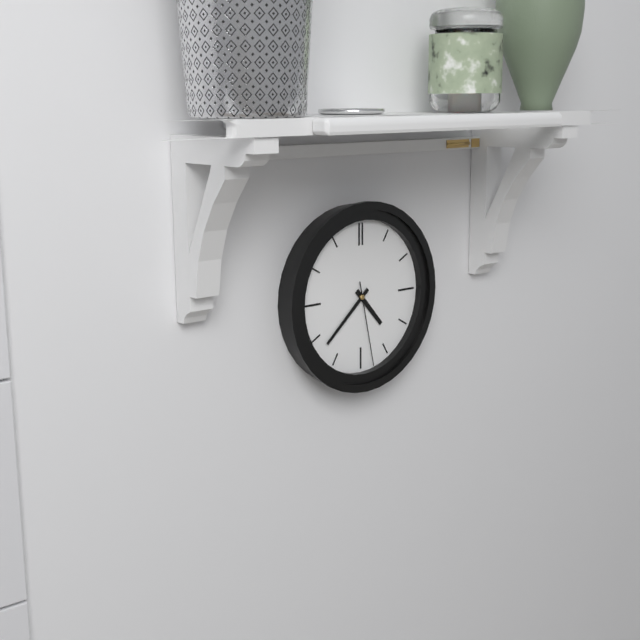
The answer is **4:38:28**
